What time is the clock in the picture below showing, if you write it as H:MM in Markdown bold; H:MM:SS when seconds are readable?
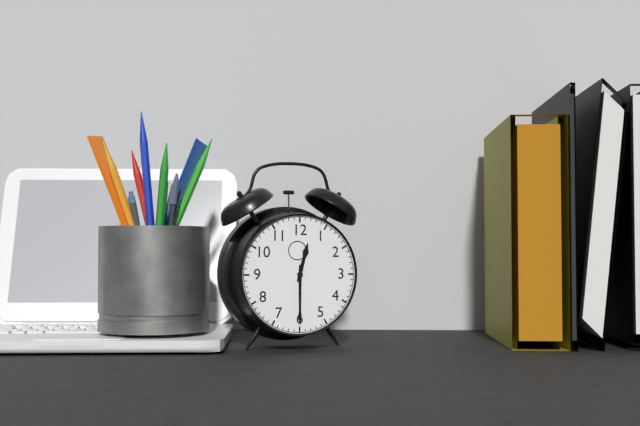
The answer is **12:30**
